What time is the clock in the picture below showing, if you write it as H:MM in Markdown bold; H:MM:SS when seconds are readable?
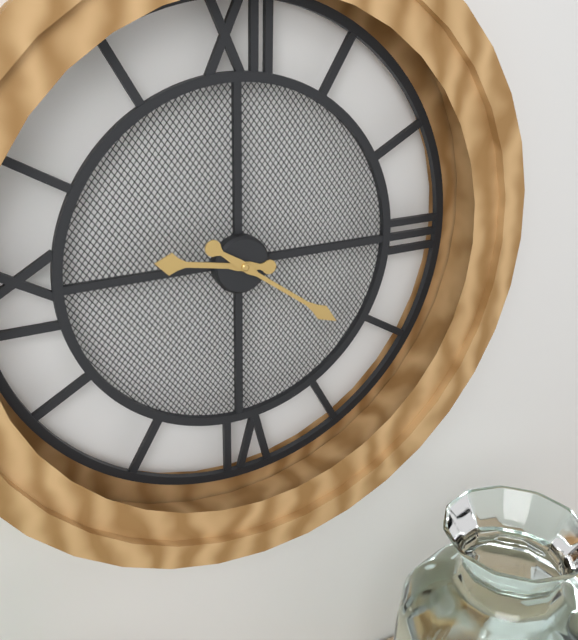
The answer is **9:21**
